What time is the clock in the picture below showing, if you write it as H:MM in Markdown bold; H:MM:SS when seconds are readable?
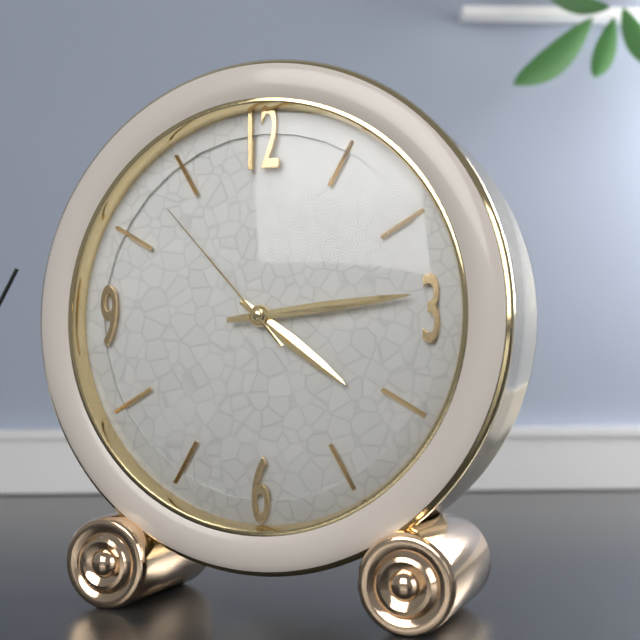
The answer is **4:14:53**
